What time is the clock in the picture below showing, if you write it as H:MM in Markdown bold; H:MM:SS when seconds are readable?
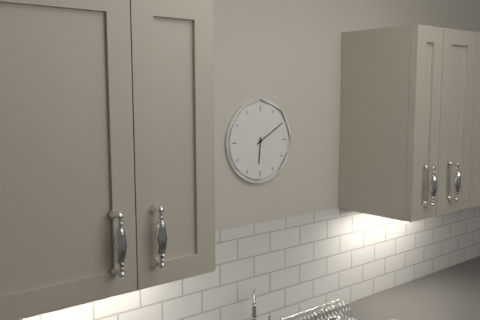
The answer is **6:10**
